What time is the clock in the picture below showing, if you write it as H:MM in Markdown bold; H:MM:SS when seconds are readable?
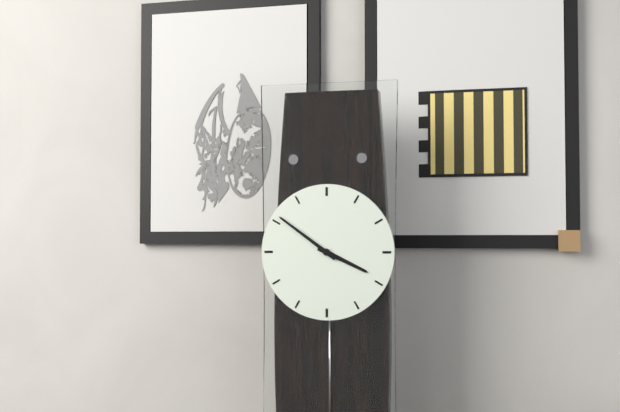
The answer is **3:51**
